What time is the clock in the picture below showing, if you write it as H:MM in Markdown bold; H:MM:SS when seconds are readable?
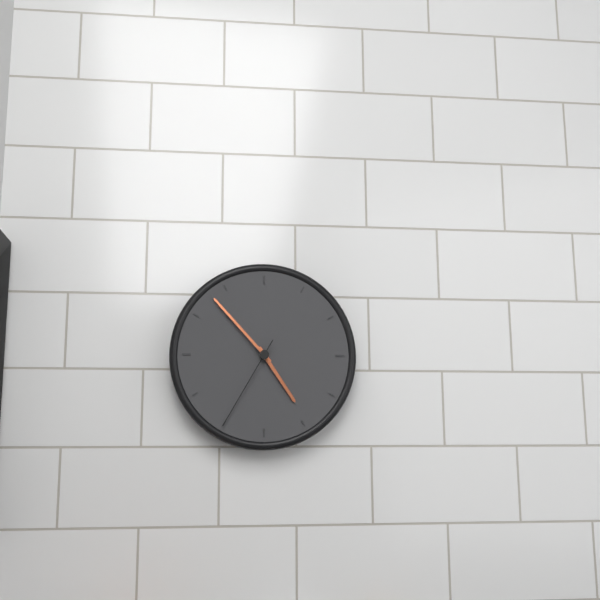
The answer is **4:53:35**
